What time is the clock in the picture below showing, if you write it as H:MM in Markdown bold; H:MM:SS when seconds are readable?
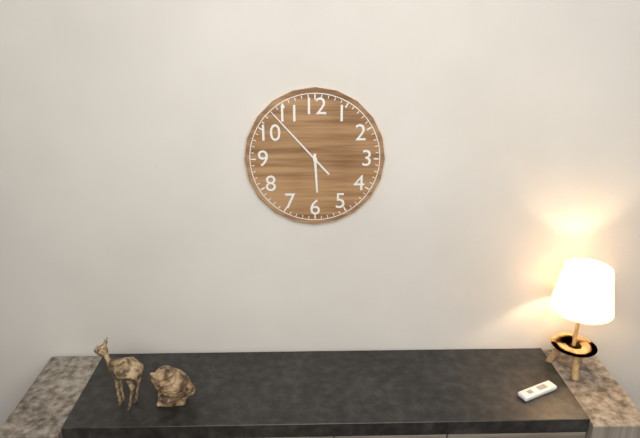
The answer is **5:53**
